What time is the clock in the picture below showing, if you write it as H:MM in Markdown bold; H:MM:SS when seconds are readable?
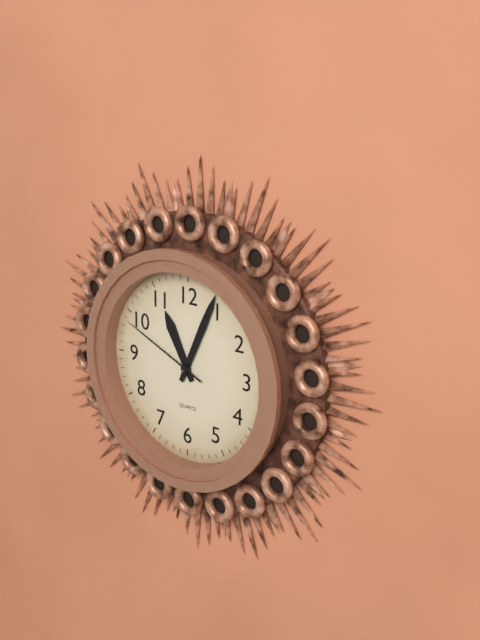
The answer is **11:04:49**
